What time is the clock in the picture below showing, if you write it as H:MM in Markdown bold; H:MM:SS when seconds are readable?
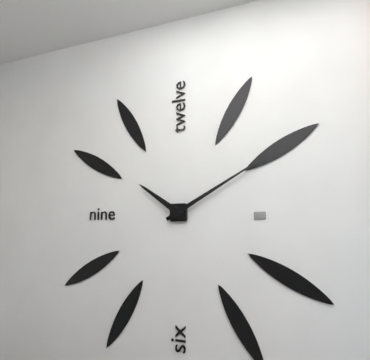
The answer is **10:10**
